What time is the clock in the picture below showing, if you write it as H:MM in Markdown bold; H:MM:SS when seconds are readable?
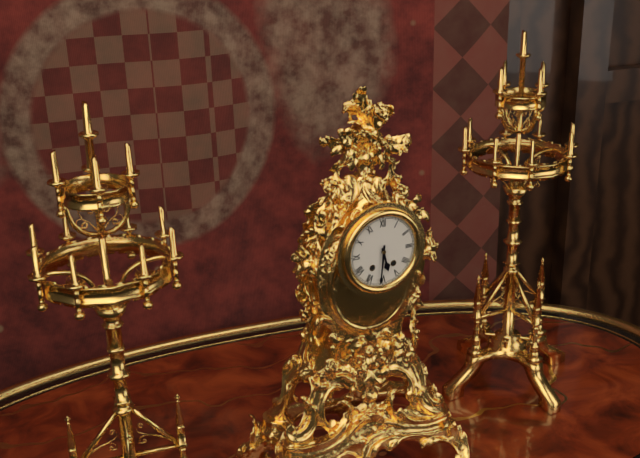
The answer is **5:31**
